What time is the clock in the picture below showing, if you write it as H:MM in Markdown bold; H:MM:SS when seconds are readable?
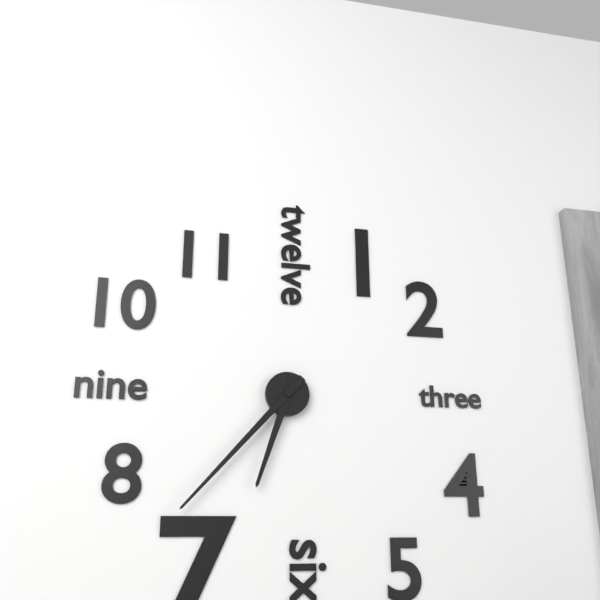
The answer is **6:37**
